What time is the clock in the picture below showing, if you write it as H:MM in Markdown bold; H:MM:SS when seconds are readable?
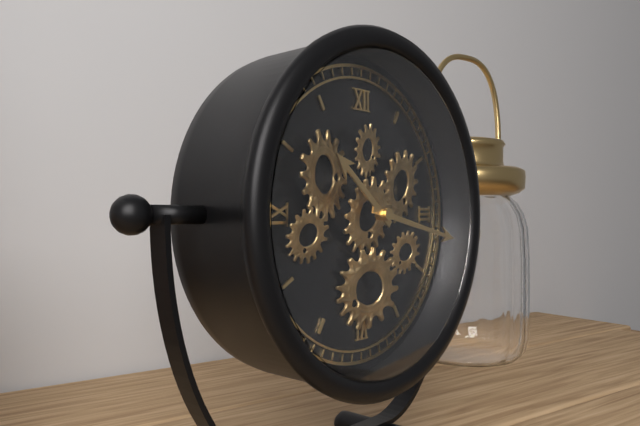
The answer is **10:17**
